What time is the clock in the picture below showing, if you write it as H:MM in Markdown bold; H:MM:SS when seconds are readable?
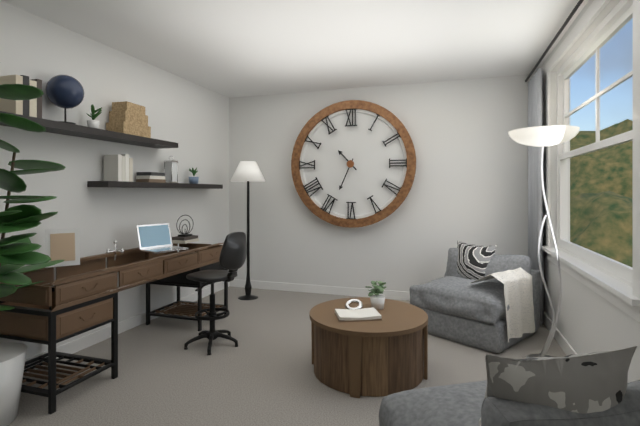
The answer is **10:34**
